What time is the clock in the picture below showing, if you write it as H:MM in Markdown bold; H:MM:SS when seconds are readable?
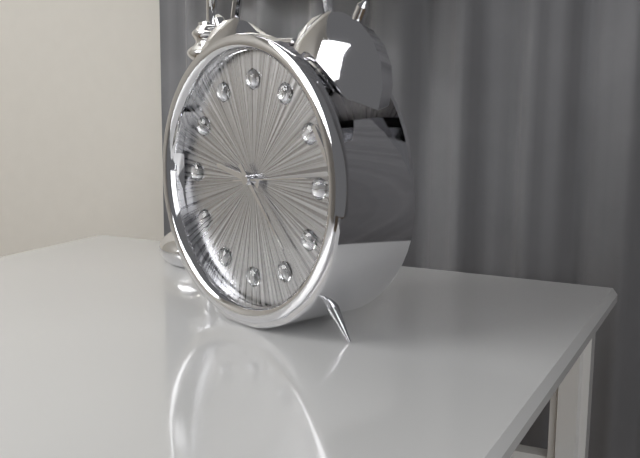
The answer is **9:23:14**
